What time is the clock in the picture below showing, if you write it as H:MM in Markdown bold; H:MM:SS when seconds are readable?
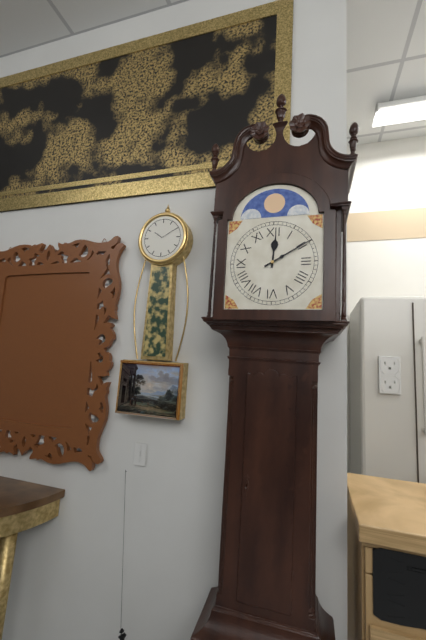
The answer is **12:10**
